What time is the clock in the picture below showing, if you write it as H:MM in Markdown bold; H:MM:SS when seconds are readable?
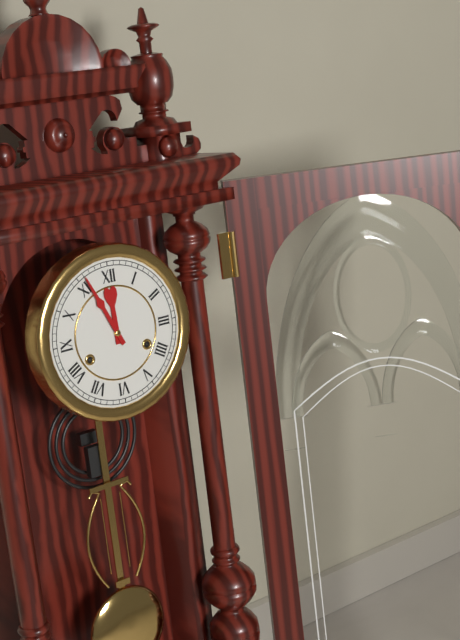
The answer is **11:56**
